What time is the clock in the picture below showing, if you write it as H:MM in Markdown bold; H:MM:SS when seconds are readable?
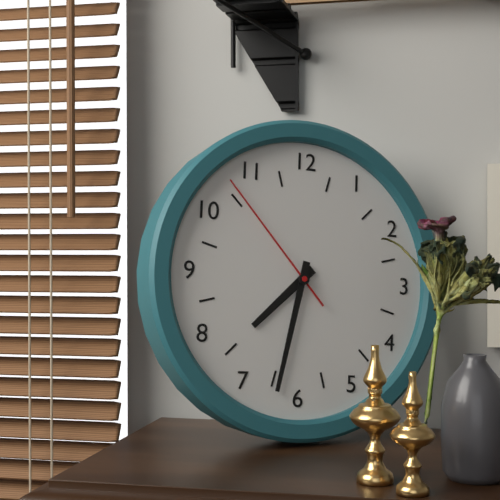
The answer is **7:32:53**
